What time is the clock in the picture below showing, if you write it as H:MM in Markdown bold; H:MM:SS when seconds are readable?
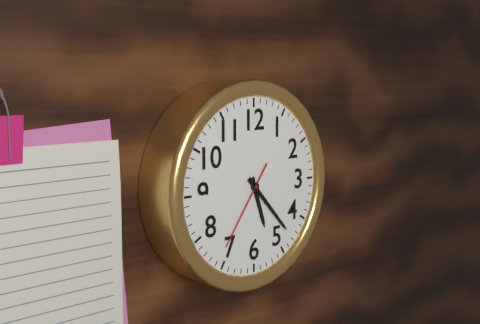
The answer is **5:23:36**
